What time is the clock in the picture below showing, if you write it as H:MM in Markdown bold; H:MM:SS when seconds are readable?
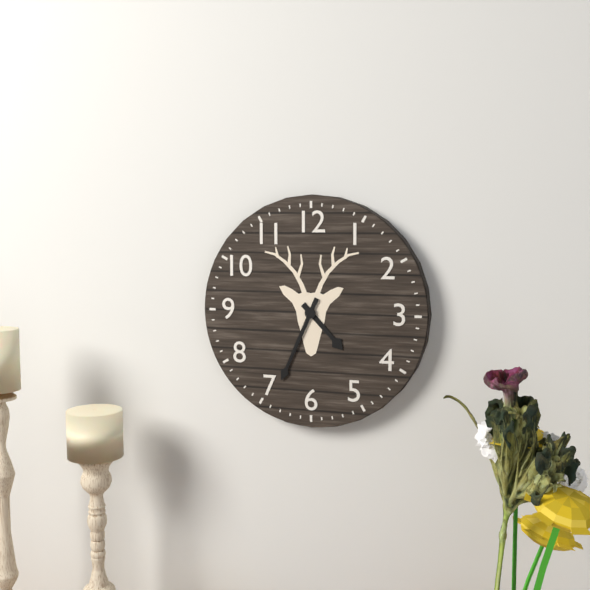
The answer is **4:34**
